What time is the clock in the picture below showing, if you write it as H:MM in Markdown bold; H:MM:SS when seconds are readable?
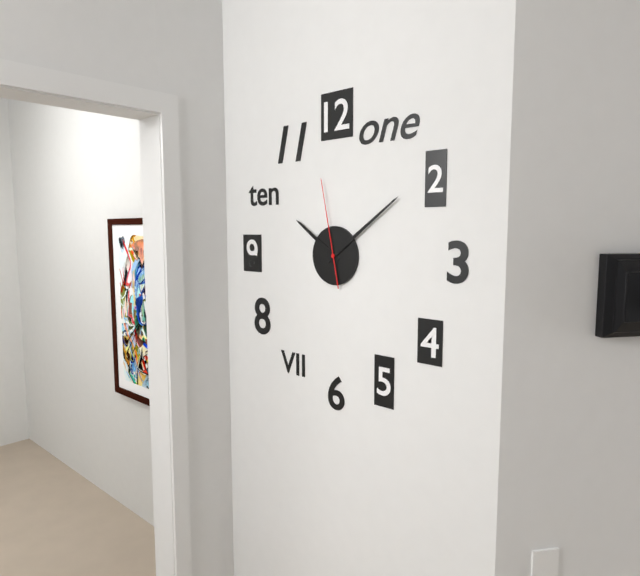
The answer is **10:09:58**
